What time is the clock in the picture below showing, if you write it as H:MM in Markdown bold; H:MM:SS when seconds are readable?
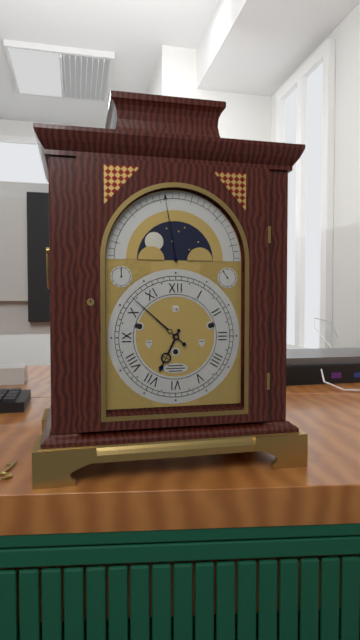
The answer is **6:52**
